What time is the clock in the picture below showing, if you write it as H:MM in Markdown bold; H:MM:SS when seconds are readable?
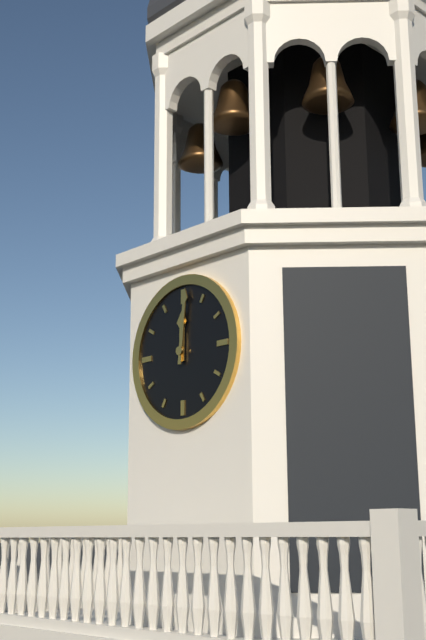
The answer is **12:01**
